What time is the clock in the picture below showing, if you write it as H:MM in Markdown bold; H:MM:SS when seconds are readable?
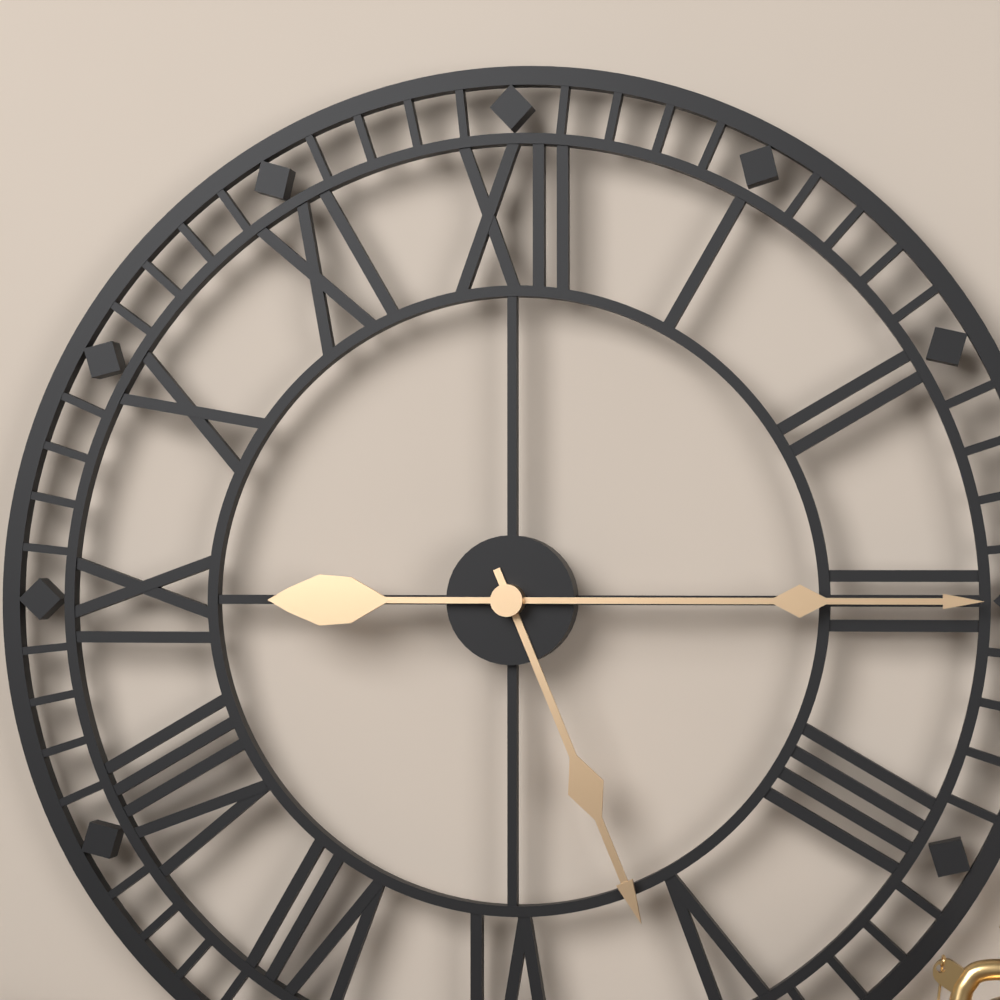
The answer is **5:15**
